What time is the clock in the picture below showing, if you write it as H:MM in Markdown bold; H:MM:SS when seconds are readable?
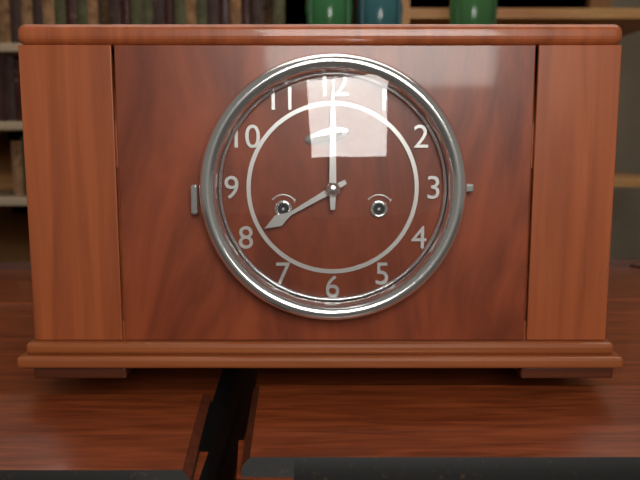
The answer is **8:00**
